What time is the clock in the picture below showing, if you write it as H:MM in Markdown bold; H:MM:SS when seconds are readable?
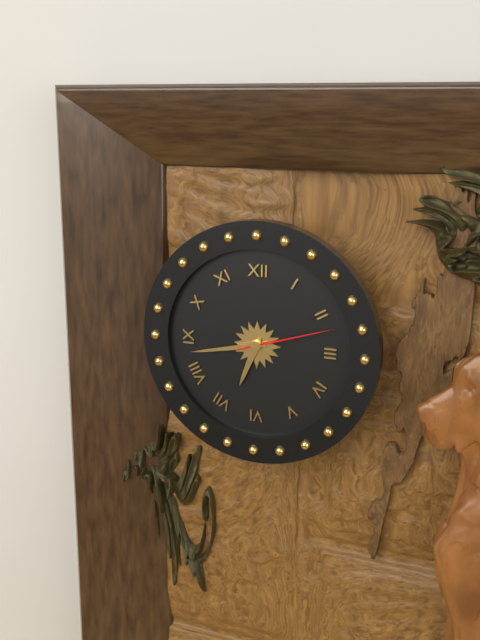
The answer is **6:43:12**
